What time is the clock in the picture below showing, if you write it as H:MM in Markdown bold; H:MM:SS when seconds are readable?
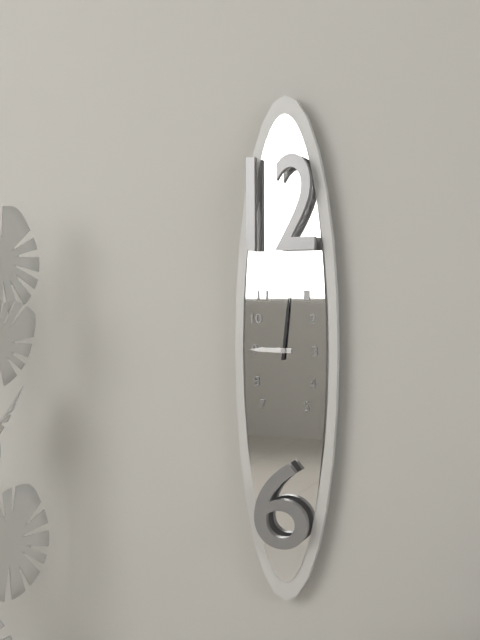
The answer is **9:01**
